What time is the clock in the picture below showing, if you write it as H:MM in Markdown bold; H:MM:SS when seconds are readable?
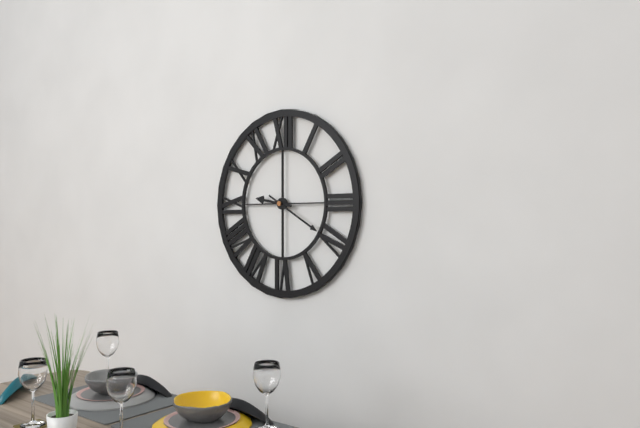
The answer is **9:20**
